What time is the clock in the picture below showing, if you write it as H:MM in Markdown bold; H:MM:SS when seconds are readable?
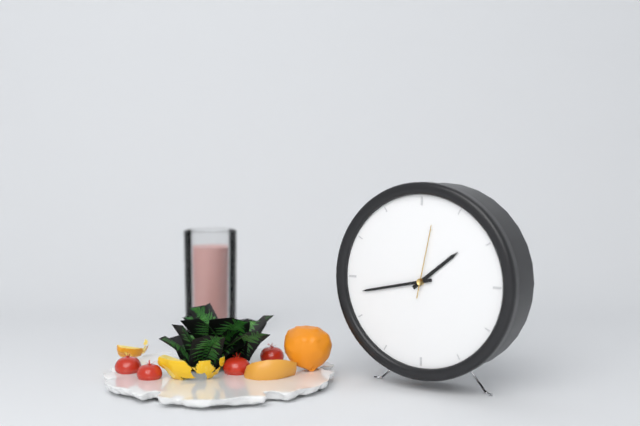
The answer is **1:43:02**
